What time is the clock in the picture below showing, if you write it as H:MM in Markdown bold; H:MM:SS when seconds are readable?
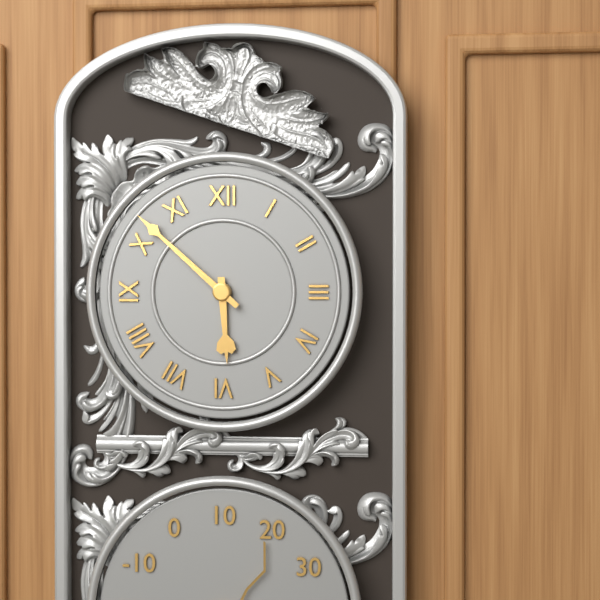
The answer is **5:52**
